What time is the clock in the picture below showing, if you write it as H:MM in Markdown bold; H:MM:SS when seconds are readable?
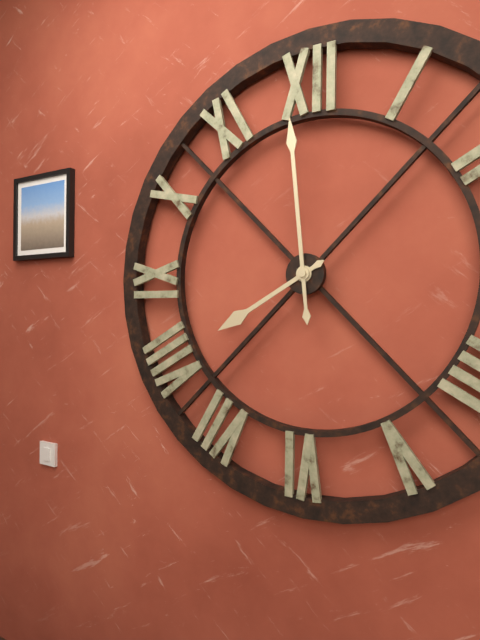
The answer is **7:59**
